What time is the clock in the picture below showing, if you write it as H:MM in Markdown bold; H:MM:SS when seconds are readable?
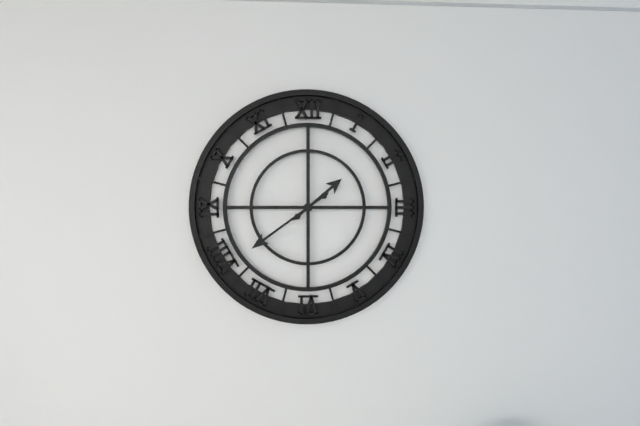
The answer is **1:39**
